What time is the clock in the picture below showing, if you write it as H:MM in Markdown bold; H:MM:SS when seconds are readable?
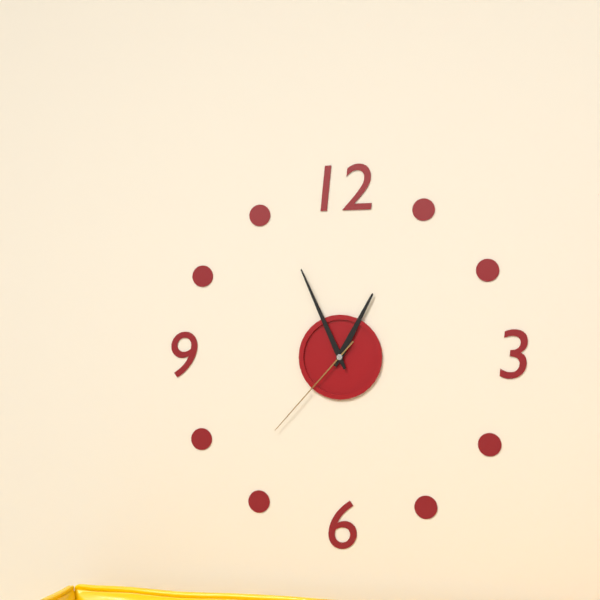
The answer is **12:56:37**
